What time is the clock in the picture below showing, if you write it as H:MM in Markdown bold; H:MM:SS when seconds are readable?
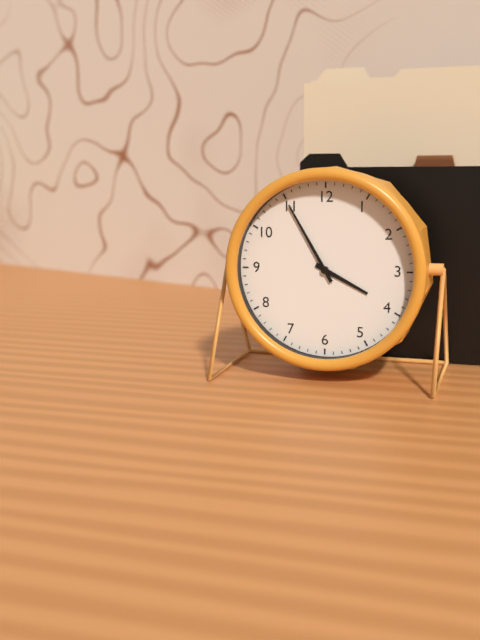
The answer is **3:55**
